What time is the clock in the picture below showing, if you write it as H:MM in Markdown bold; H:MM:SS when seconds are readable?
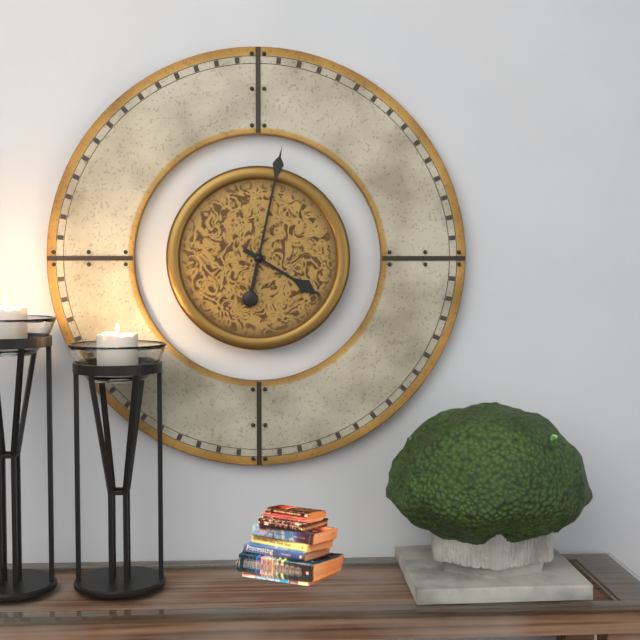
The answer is **4:02**
